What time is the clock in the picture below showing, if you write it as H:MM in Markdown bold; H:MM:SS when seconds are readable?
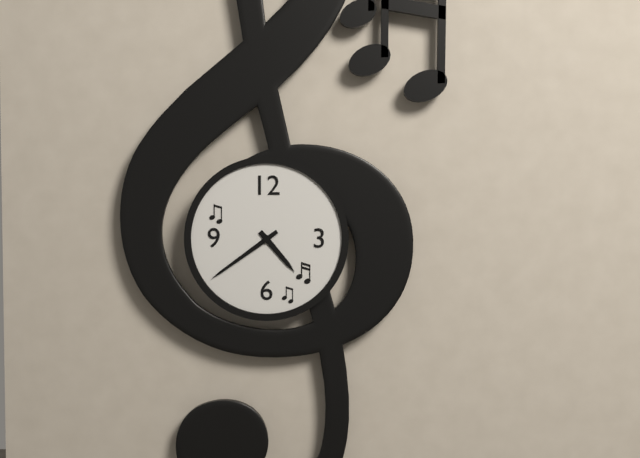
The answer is **4:39**
